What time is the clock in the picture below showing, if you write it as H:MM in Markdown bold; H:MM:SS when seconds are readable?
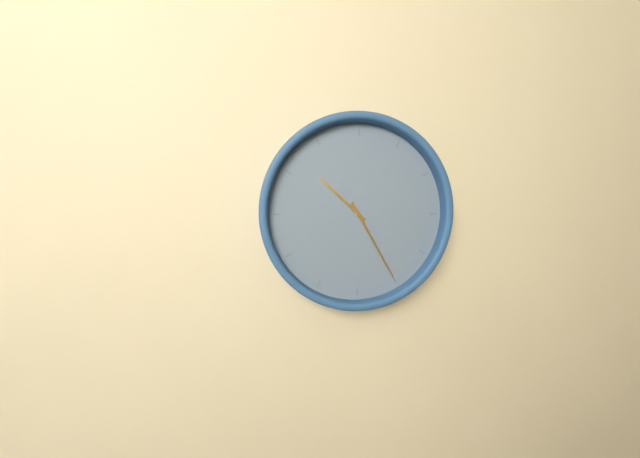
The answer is **10:25**
